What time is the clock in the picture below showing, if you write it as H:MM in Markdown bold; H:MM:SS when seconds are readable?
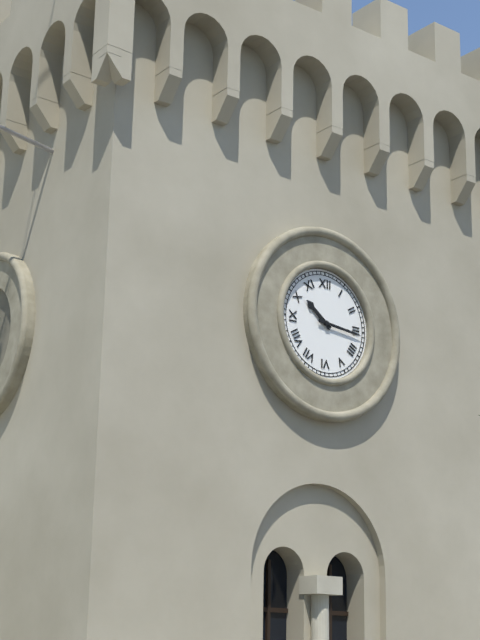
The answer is **10:16**
